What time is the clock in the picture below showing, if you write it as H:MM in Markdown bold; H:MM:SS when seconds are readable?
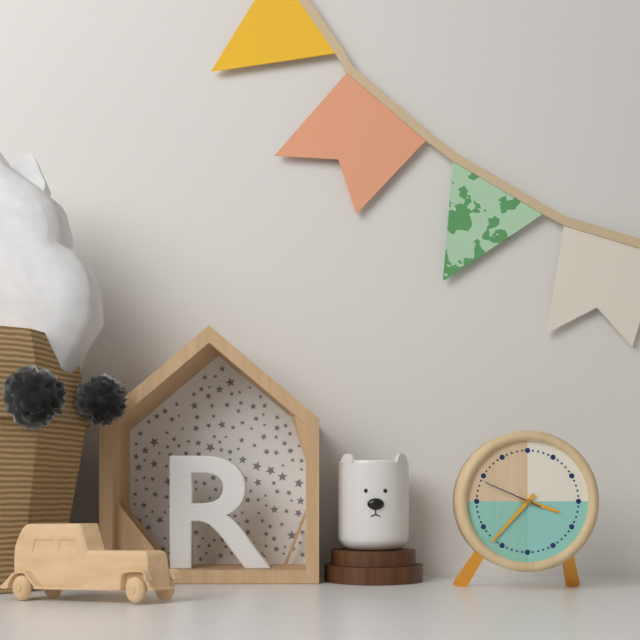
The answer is **3:37:49**
